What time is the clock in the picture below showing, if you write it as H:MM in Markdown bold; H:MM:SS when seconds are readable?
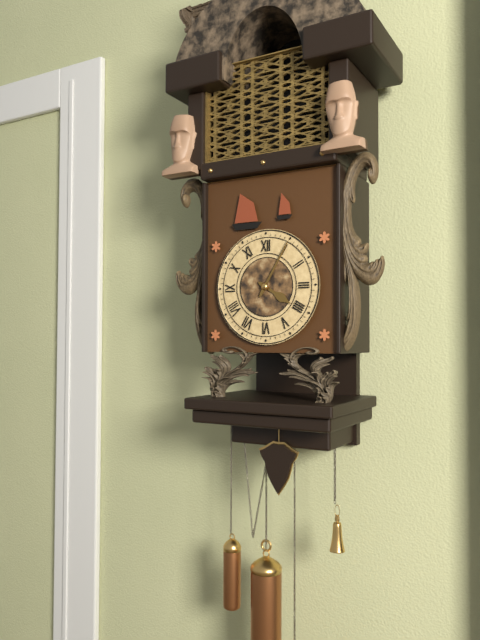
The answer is **4:05**
